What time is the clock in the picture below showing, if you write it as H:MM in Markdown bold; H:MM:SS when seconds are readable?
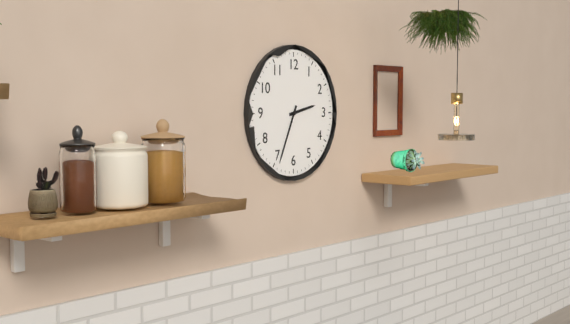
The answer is **2:34**
